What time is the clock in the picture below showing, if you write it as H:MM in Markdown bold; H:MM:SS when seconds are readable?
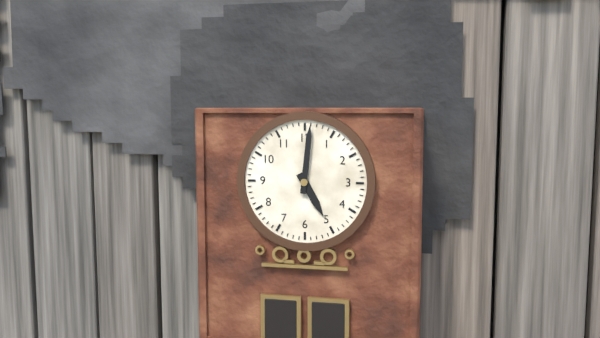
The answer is **5:01**
